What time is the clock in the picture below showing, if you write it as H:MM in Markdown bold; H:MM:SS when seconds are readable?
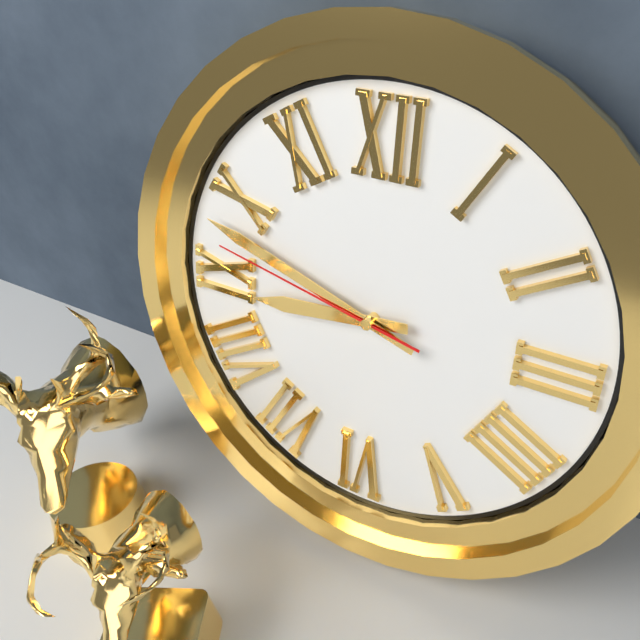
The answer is **8:48:47**
